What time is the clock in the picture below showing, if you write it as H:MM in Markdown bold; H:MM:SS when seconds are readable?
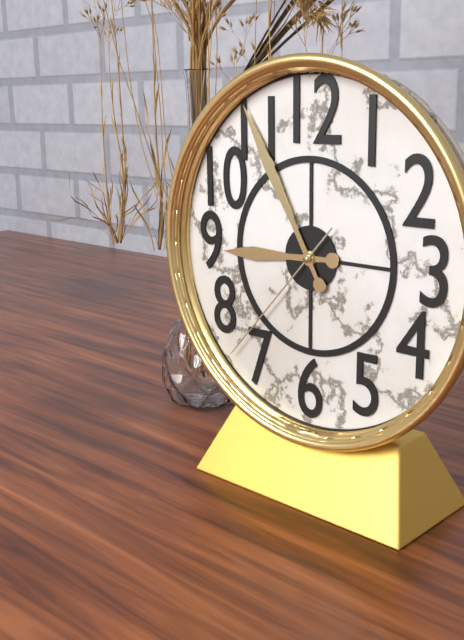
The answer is **8:55:37**
